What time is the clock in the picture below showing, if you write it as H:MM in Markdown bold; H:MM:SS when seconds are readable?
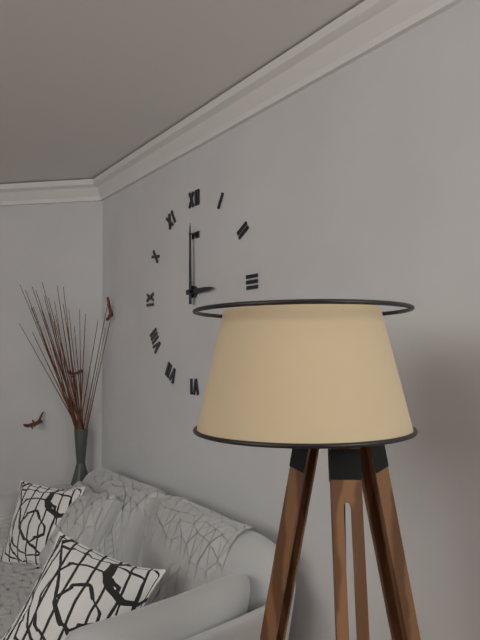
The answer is **3:00**
